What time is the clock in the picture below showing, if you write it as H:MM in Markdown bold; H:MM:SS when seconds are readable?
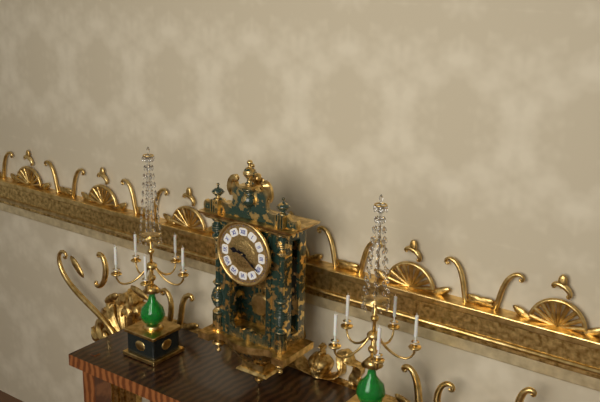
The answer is **9:21**
